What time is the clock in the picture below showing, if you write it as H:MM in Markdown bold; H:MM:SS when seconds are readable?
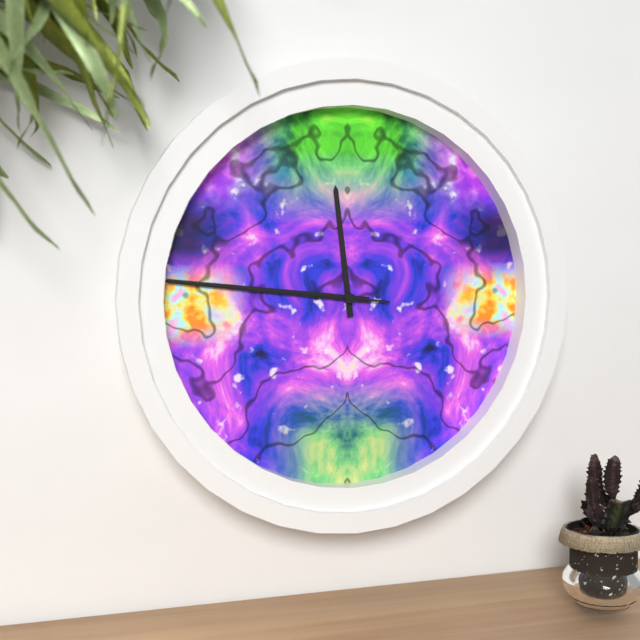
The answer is **11:46:46**
